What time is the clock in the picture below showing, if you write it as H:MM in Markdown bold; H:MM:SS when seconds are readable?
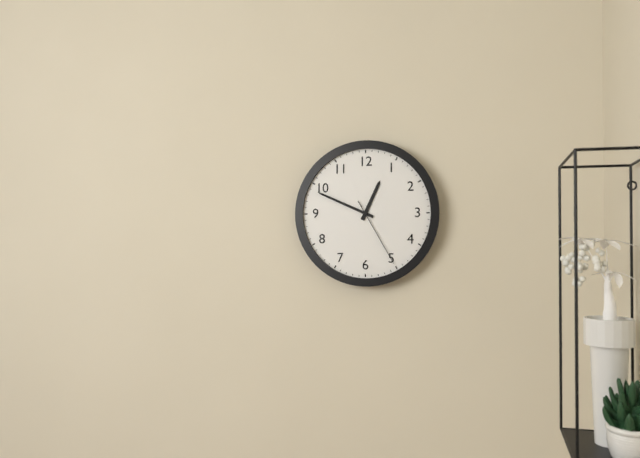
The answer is **12:49:25**
